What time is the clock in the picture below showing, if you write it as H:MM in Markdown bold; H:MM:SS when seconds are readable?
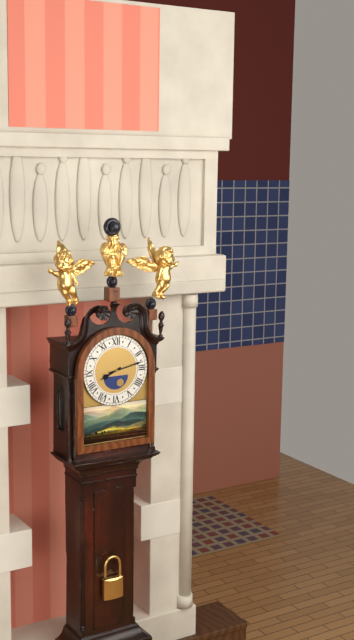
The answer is **8:13**
